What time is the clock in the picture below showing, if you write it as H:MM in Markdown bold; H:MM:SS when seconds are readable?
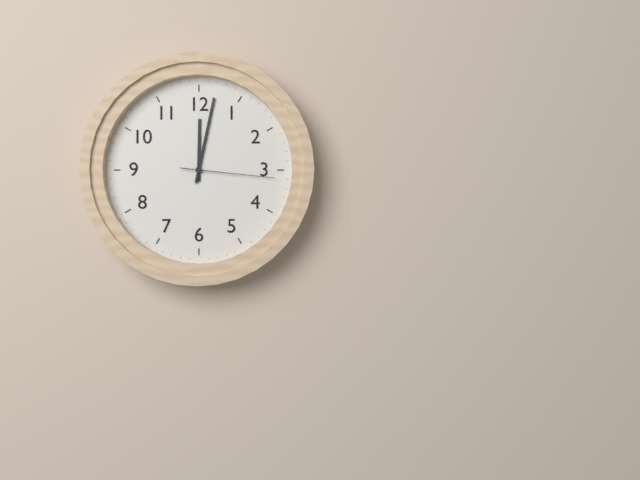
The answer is **12:02:16**
